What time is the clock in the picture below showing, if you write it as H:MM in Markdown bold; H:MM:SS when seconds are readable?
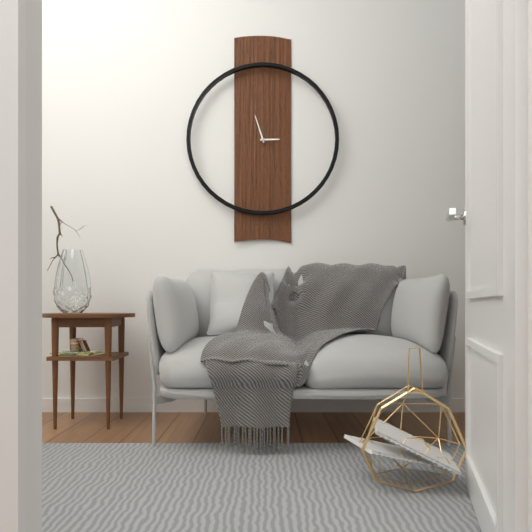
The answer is **2:57**
